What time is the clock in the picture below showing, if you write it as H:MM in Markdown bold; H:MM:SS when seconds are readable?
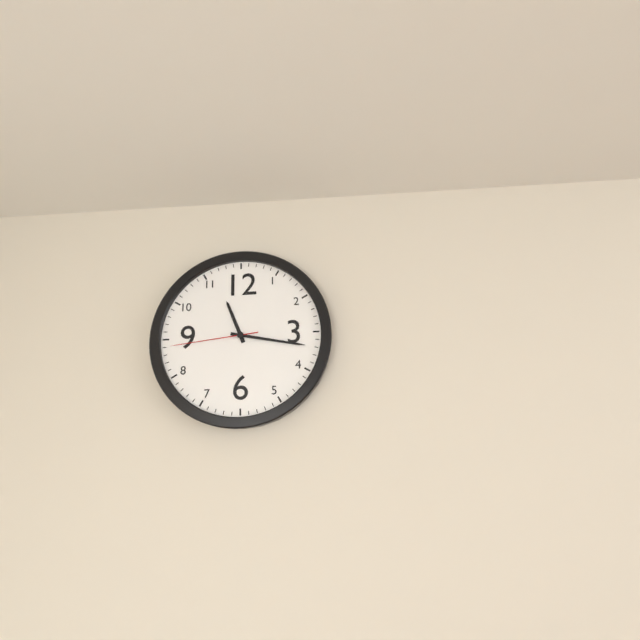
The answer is **11:17:44**
